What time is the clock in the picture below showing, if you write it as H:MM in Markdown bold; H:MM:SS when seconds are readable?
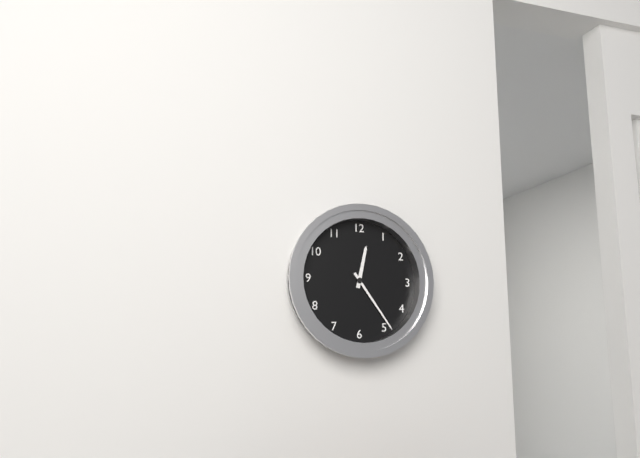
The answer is **12:24**
